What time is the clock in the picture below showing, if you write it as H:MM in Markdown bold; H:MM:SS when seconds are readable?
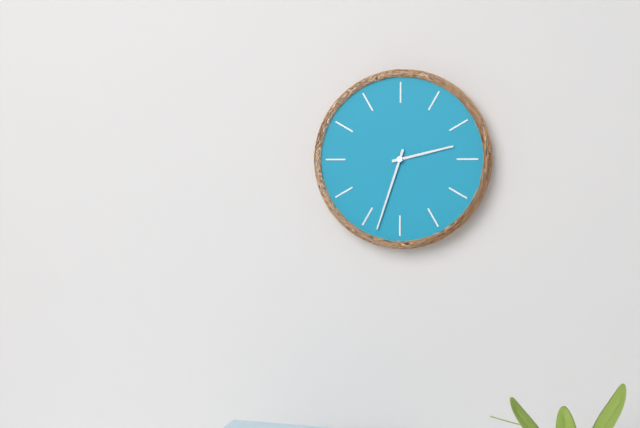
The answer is **2:33**
